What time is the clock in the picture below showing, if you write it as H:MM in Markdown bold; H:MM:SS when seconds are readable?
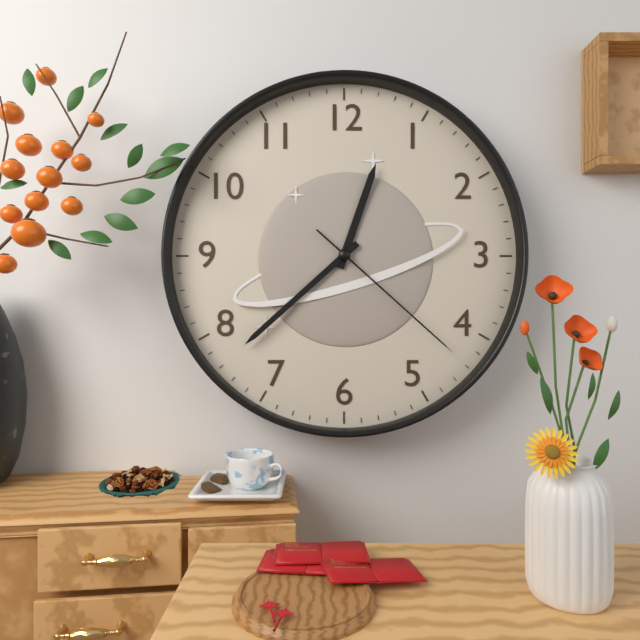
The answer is **12:38:22**
